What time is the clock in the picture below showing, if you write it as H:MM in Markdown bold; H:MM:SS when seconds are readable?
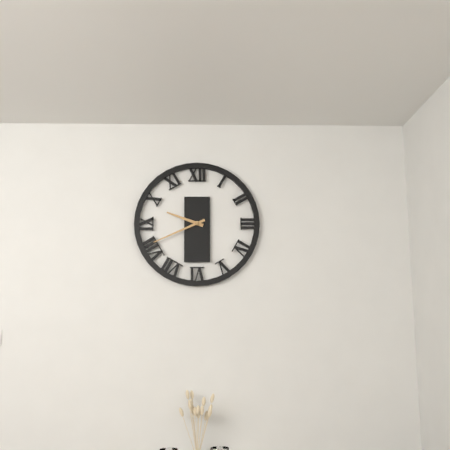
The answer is **9:41**
